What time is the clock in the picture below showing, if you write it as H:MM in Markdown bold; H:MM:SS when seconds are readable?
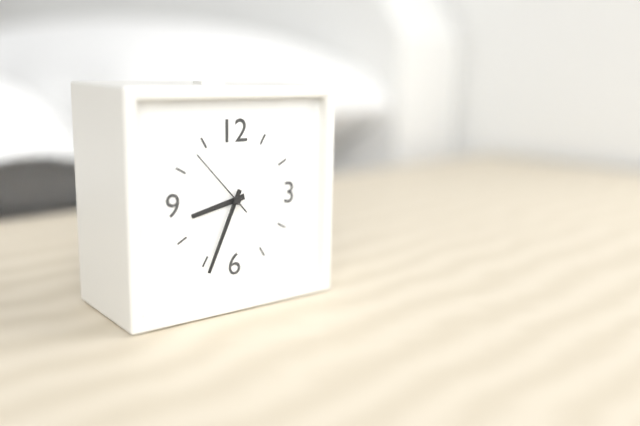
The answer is **8:34:53**
